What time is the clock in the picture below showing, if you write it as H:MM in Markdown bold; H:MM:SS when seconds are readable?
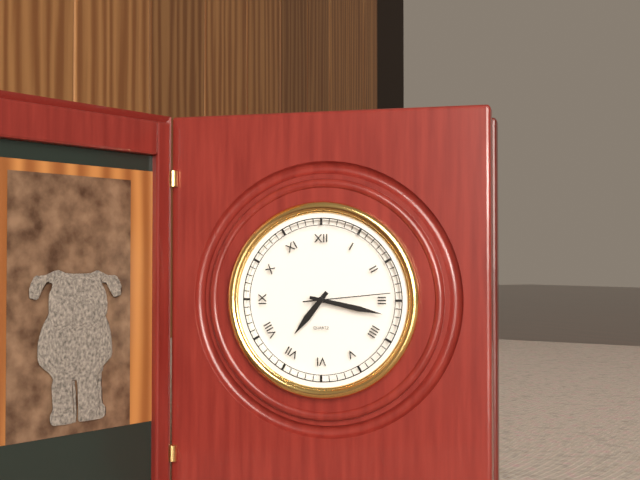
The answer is **7:17:14**
